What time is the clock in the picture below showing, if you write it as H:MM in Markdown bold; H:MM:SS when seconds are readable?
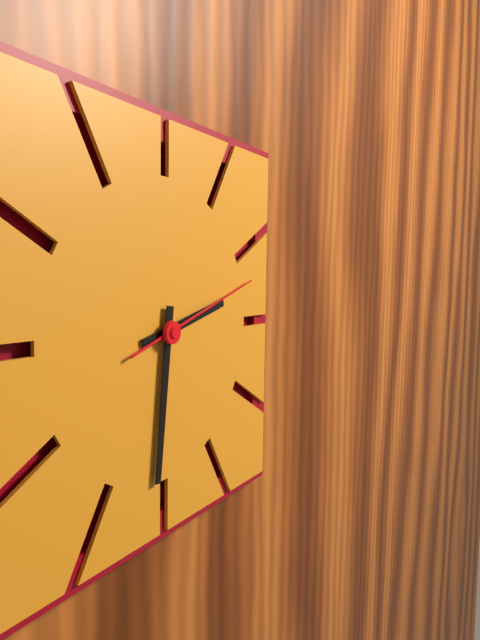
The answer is **2:31:12**
